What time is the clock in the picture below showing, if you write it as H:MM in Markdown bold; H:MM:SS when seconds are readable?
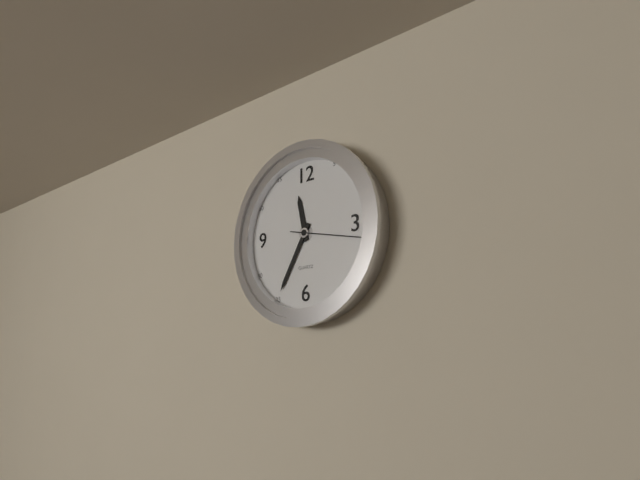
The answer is **11:35:17**
